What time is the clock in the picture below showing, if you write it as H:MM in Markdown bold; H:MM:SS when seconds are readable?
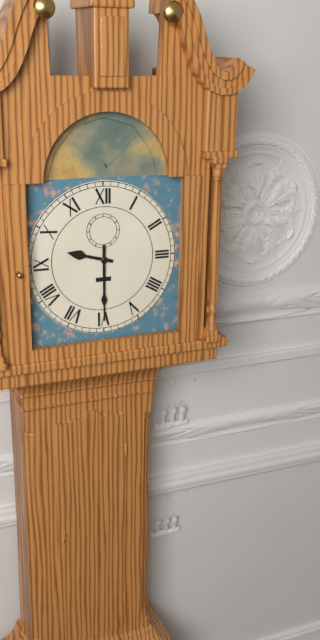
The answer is **9:30**
